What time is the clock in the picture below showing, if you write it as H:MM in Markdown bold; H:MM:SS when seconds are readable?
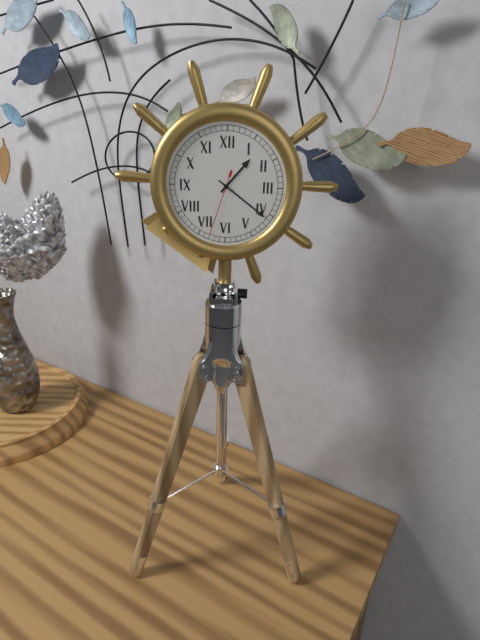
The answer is **1:21:33**
